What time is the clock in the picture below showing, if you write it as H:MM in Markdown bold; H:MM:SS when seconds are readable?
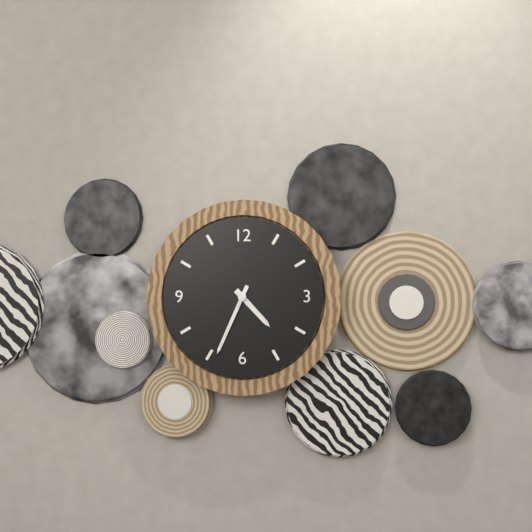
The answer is **4:34**
